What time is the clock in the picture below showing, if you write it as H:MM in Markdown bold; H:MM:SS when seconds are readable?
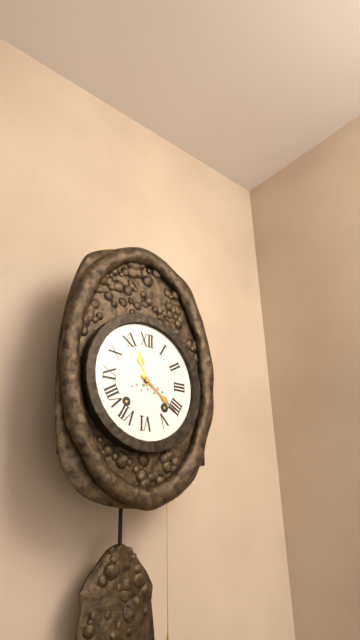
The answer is **11:21**
